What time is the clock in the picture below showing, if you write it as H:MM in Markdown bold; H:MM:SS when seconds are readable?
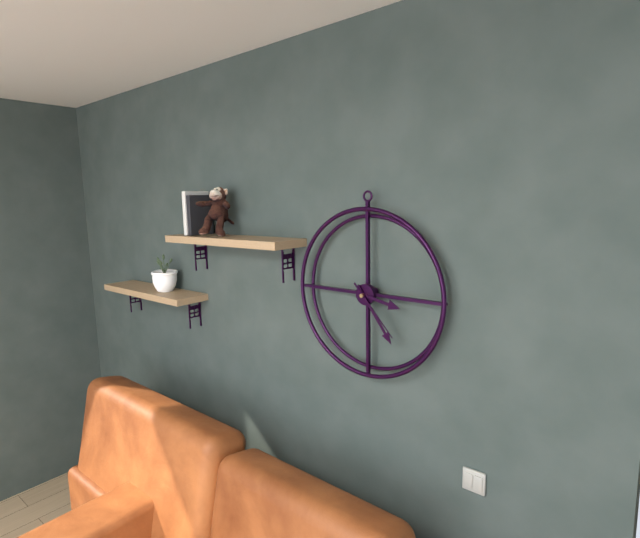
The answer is **3:24:23**
